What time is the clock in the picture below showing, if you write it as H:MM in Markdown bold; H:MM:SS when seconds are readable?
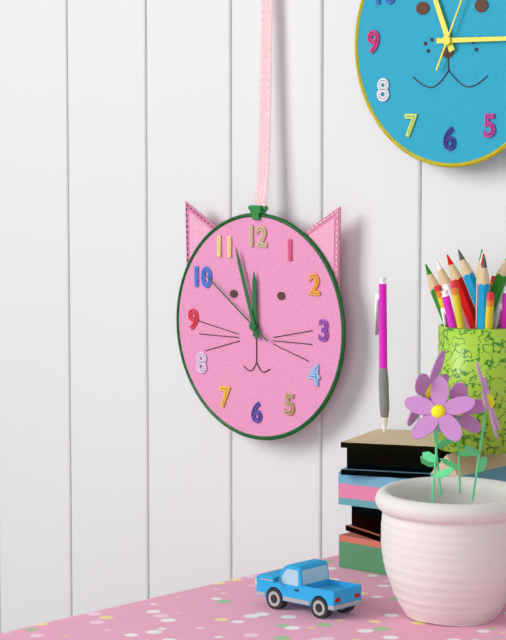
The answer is **11:57:51**
